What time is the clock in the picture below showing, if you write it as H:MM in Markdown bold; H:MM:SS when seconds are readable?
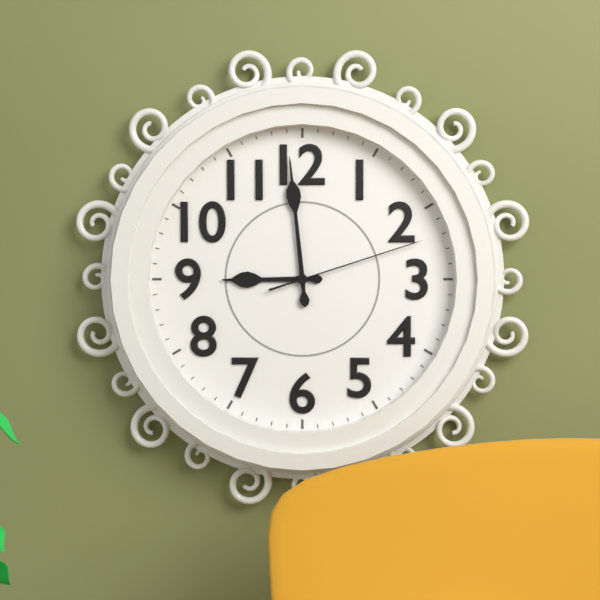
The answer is **8:59:12**
